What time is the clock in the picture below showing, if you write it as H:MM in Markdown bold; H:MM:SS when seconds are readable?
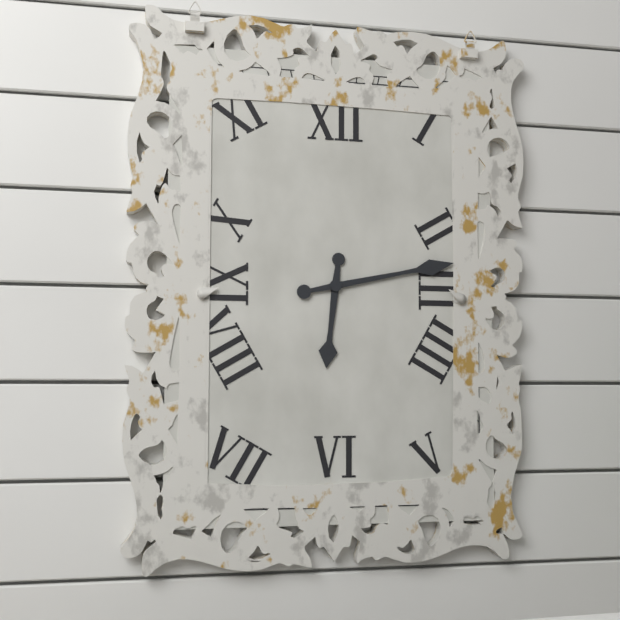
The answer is **6:13**
